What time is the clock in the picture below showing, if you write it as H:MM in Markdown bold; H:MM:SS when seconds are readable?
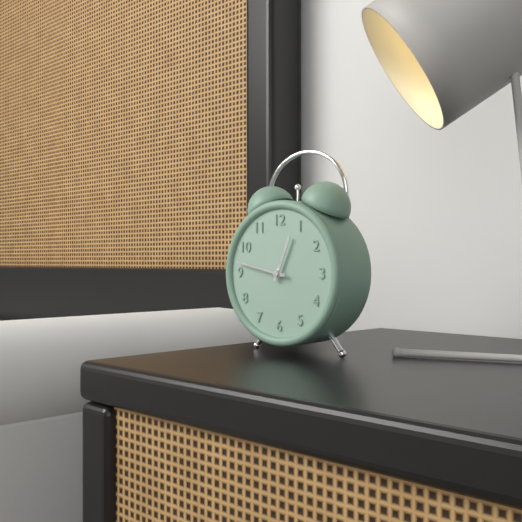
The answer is **12:47**
